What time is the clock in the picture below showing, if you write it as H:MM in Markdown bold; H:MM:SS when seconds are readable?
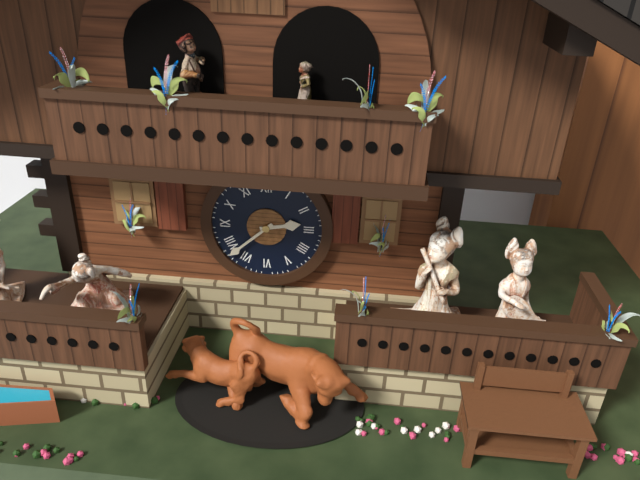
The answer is **2:38**
